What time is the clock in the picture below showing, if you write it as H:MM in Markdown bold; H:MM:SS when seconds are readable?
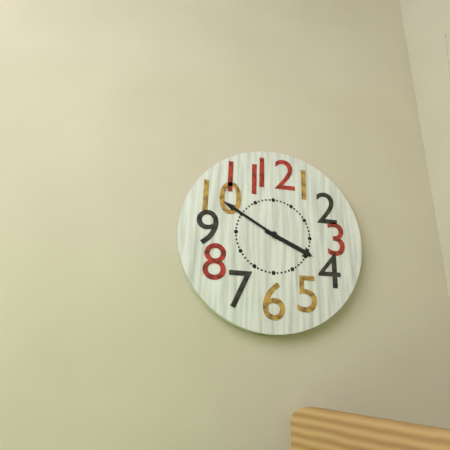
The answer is **3:50**
